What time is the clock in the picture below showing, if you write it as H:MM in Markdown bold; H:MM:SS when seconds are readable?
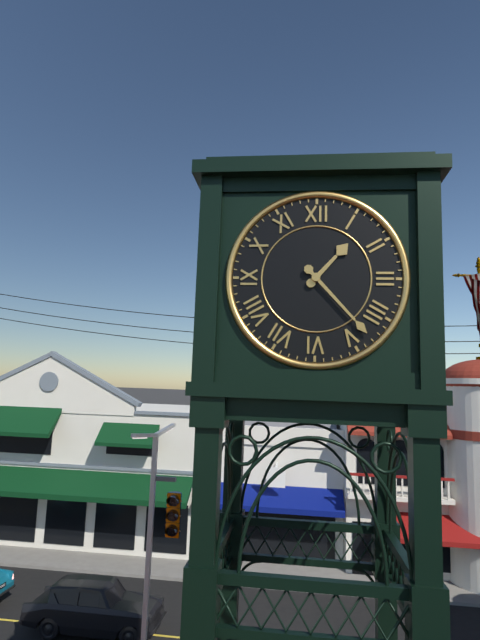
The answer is **1:23**
